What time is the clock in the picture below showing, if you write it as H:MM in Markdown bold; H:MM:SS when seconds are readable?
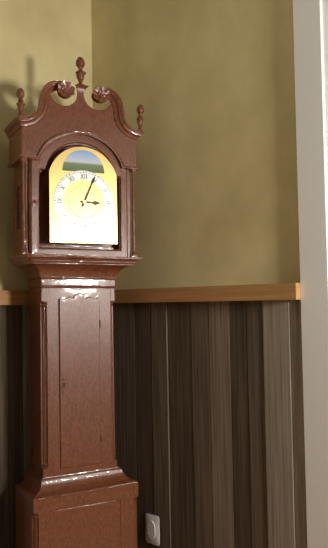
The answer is **3:04**
